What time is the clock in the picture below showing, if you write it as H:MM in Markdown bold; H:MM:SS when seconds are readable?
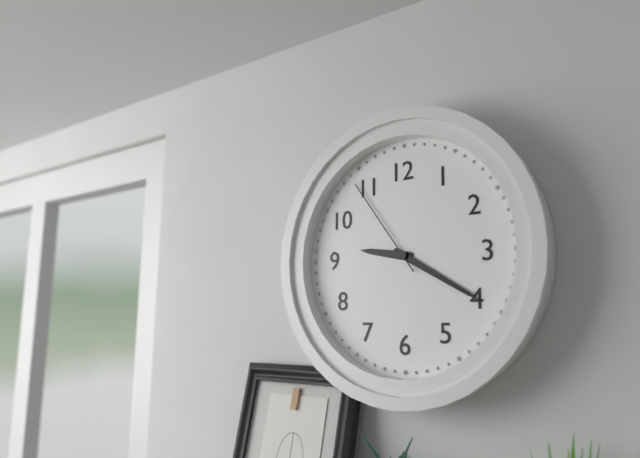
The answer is **9:20:54**
